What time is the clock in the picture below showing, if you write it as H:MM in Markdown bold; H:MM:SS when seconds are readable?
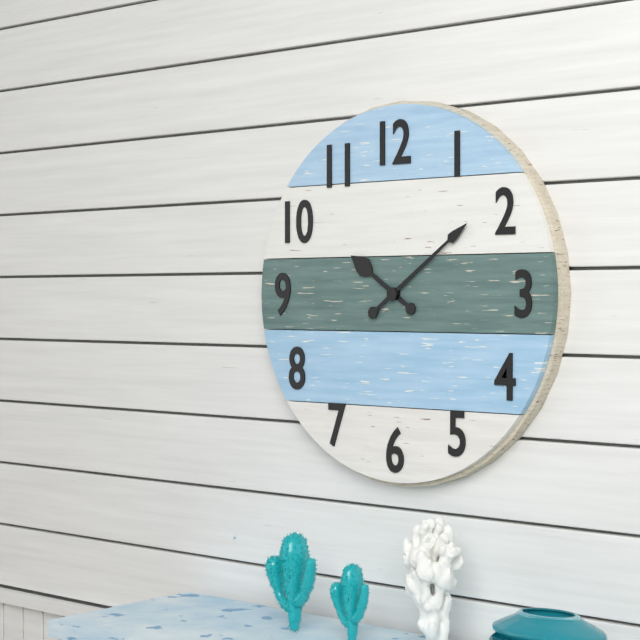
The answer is **10:09**
